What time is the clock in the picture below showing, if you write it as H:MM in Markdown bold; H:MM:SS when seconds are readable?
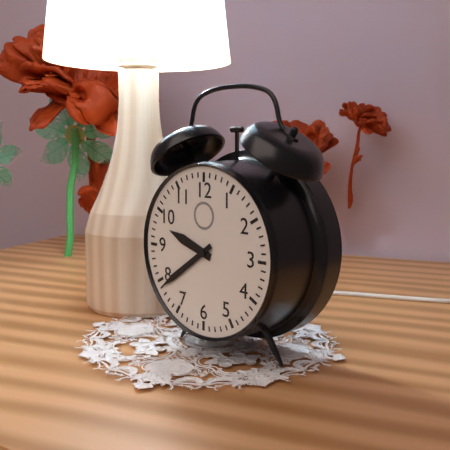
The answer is **9:39**
